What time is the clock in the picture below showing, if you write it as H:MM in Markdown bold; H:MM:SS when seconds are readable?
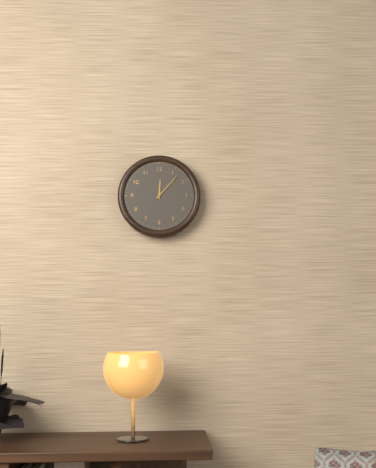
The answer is **12:07**
